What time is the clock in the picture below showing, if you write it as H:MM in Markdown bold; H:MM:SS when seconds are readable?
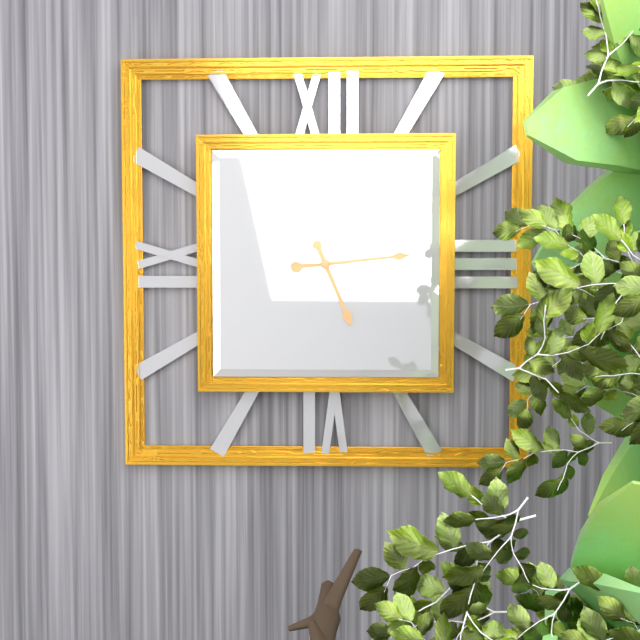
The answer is **5:14:45**
